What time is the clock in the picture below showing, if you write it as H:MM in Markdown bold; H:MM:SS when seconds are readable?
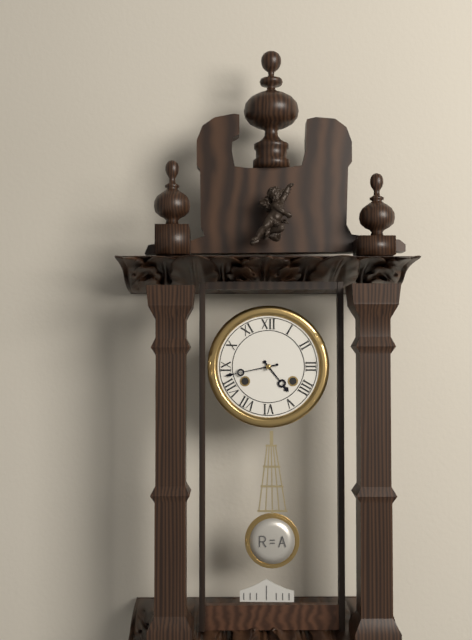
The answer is **4:43**
